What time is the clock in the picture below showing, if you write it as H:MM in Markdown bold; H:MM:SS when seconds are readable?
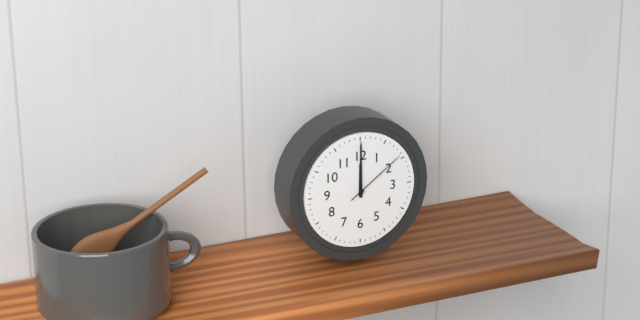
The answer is **12:00:09**
